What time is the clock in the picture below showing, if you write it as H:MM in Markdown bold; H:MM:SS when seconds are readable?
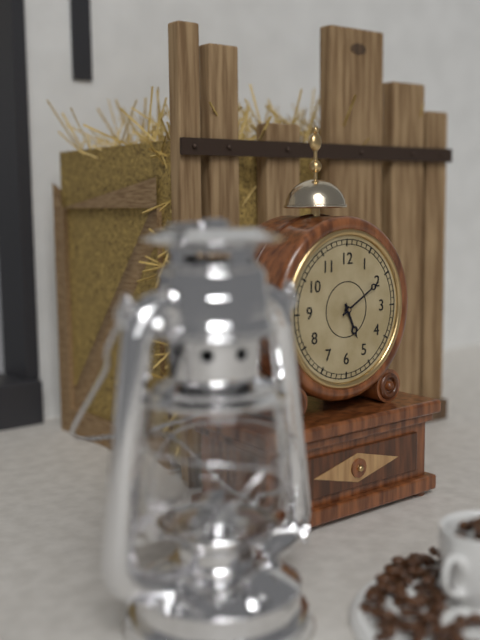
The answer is **5:10**
